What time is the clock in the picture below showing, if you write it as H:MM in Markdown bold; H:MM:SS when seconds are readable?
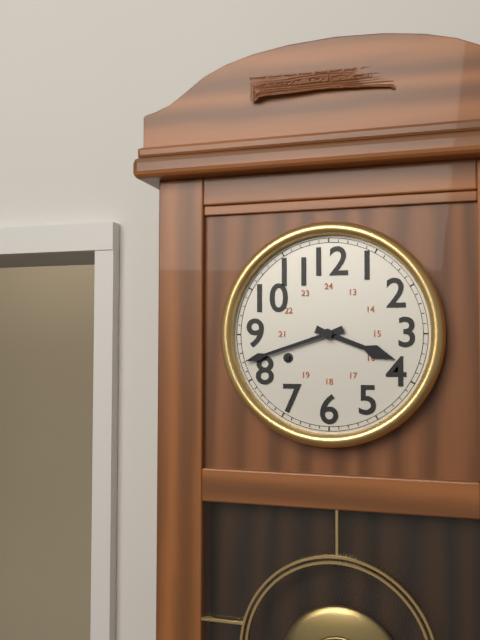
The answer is **3:42**
